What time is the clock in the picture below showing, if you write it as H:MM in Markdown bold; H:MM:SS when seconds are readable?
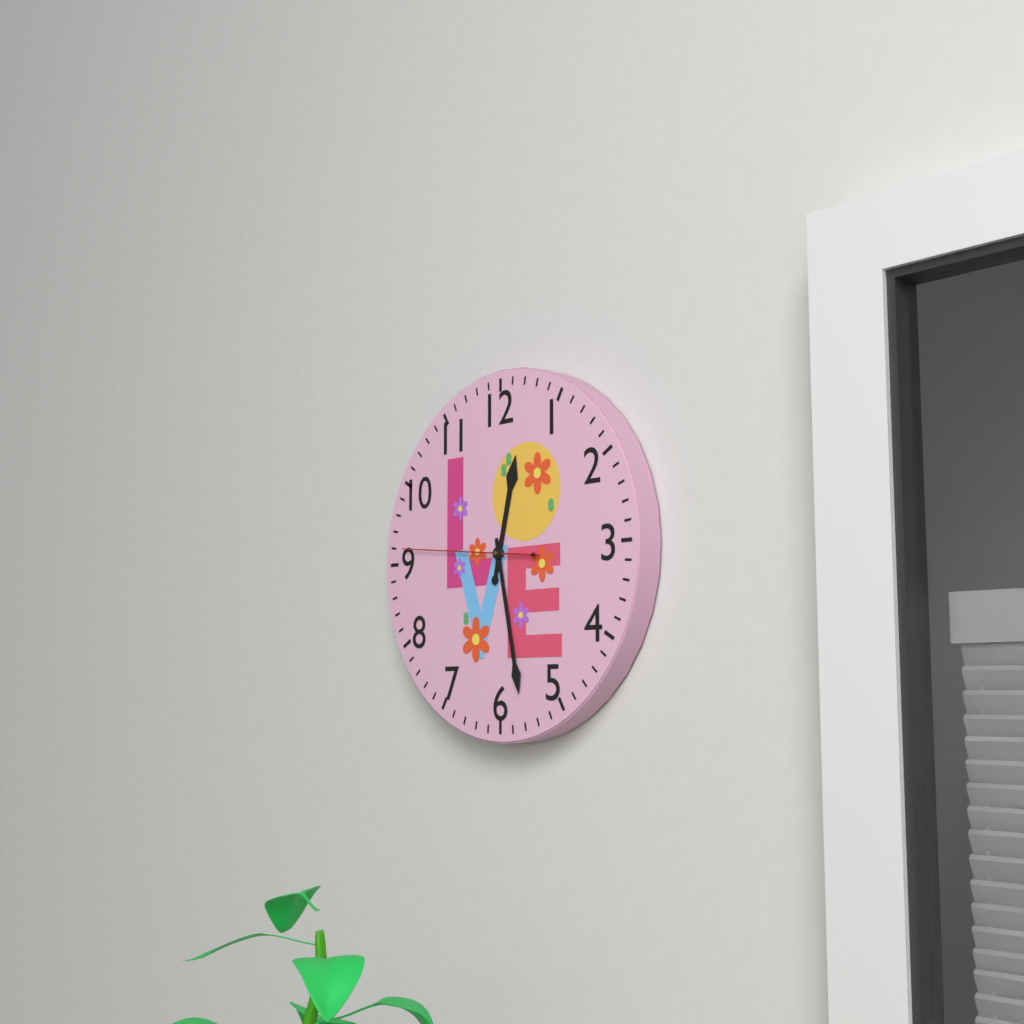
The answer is **12:28:46**
